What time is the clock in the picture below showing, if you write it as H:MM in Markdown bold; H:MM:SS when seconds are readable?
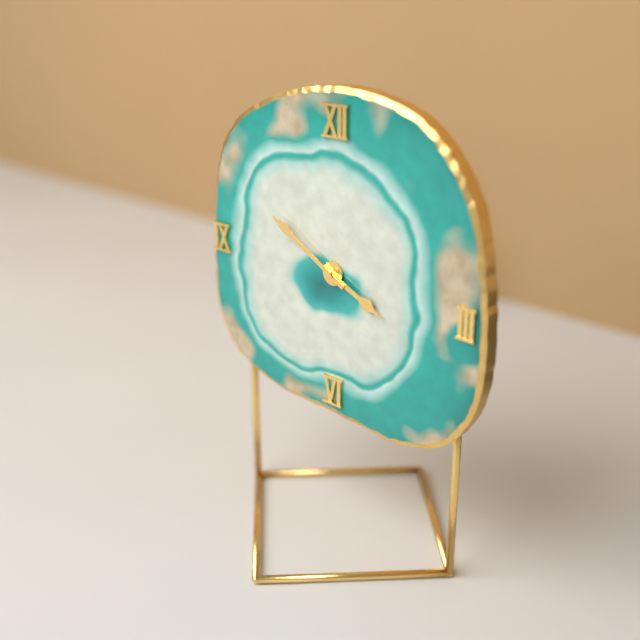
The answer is **3:50**
